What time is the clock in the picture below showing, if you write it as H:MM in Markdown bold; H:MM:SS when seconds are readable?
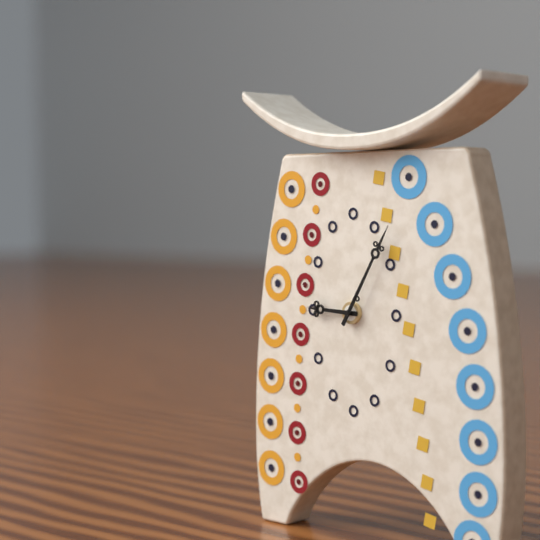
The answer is **9:05**
